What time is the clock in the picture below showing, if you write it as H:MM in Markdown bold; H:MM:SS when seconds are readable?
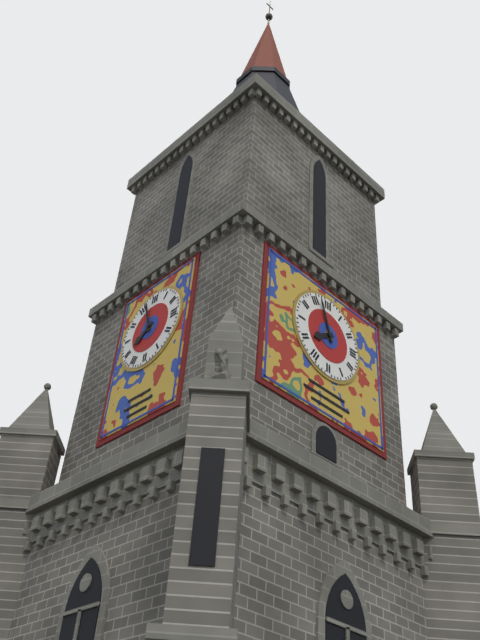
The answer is **7:57**
